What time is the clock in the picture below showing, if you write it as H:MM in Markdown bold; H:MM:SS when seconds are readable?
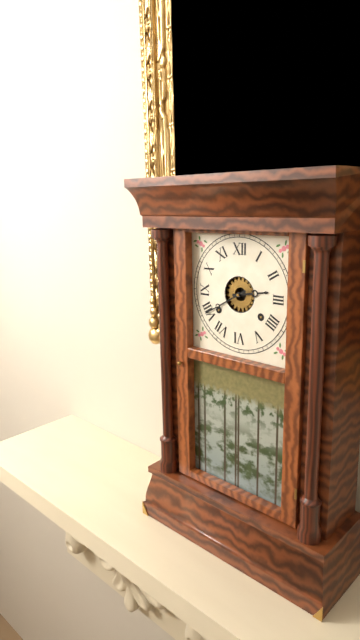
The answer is **2:40**
